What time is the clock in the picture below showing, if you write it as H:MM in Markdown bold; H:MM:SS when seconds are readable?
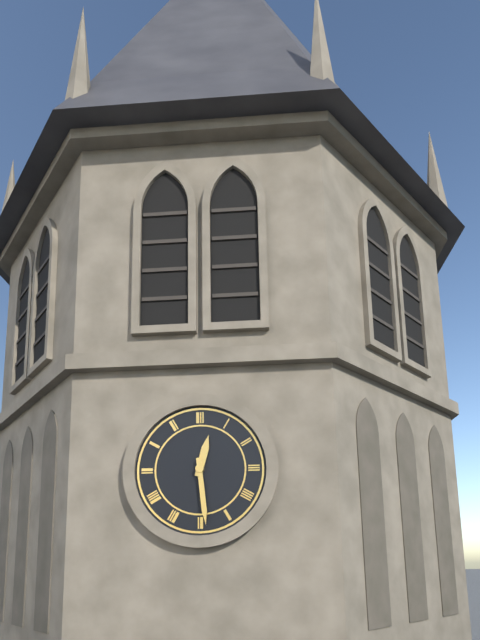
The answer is **12:29**
